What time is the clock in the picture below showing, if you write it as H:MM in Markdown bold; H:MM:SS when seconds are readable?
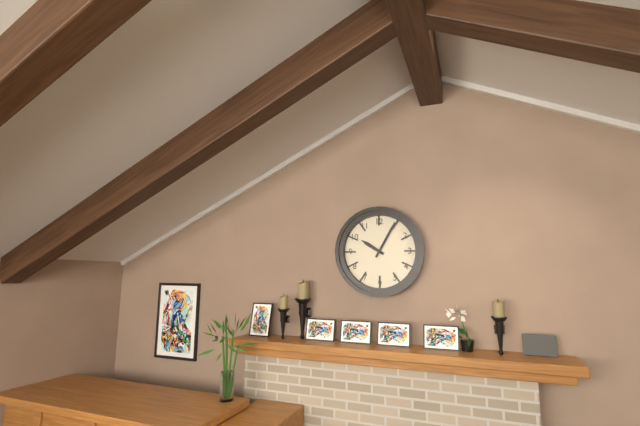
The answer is **10:05**
